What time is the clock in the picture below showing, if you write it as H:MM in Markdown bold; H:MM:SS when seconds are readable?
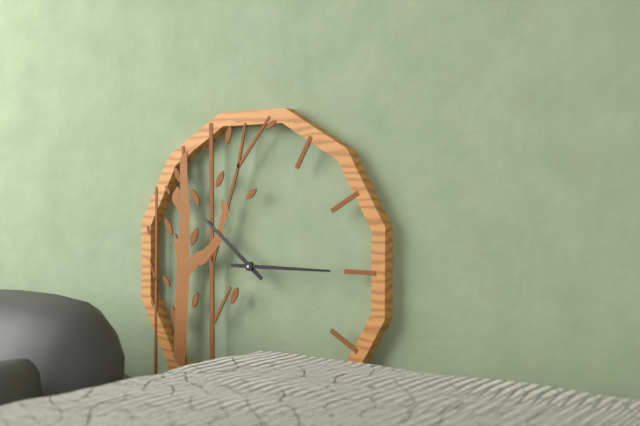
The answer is **10:15**
